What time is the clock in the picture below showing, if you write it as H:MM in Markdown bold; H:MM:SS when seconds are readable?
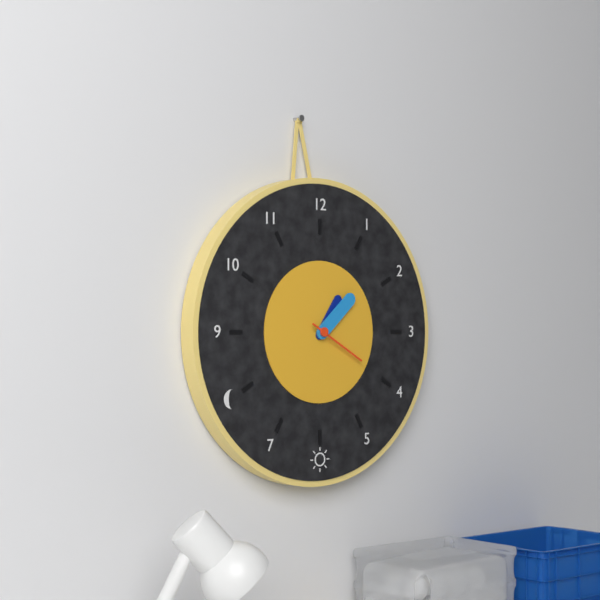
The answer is **1:08:20**
